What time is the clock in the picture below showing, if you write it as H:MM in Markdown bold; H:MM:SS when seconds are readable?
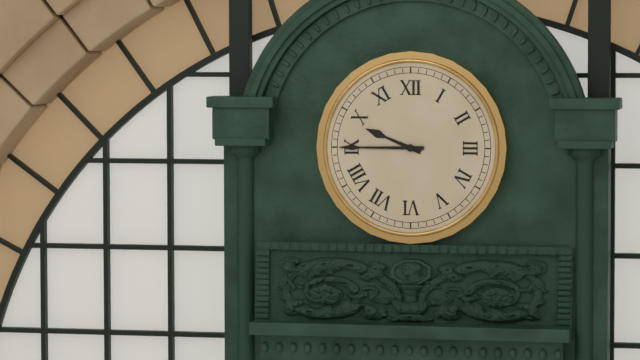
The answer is **9:45**
